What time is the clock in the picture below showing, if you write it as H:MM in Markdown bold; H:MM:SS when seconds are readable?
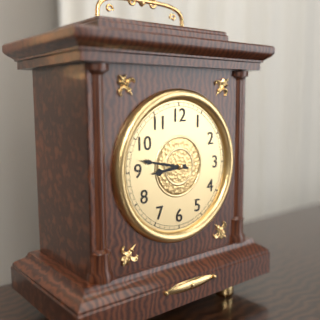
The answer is **8:47**
